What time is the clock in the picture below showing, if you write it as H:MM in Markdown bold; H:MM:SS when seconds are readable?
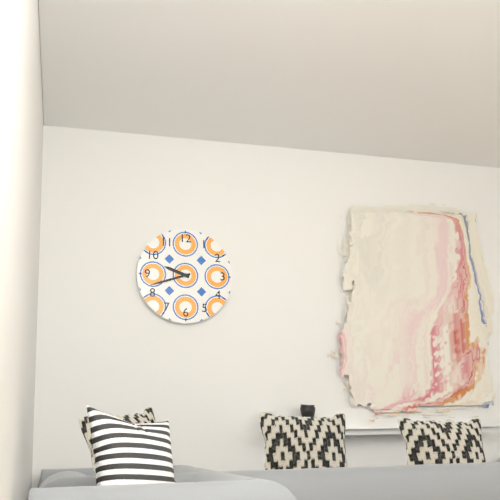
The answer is **9:42**
